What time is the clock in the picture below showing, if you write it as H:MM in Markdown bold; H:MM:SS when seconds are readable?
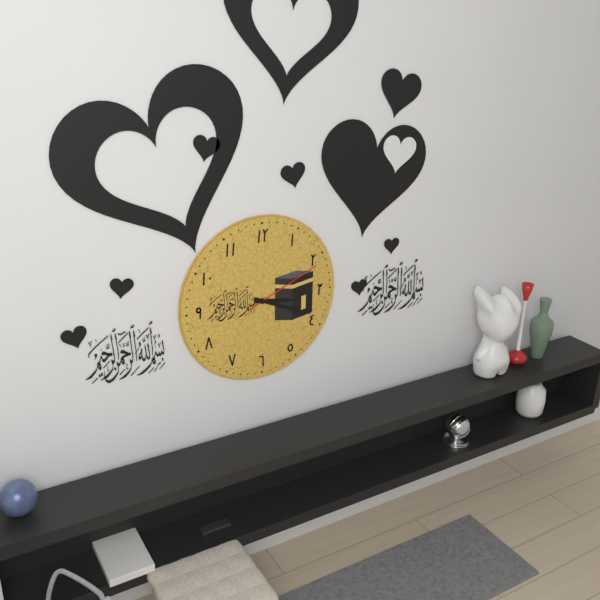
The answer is **3:19:11**
